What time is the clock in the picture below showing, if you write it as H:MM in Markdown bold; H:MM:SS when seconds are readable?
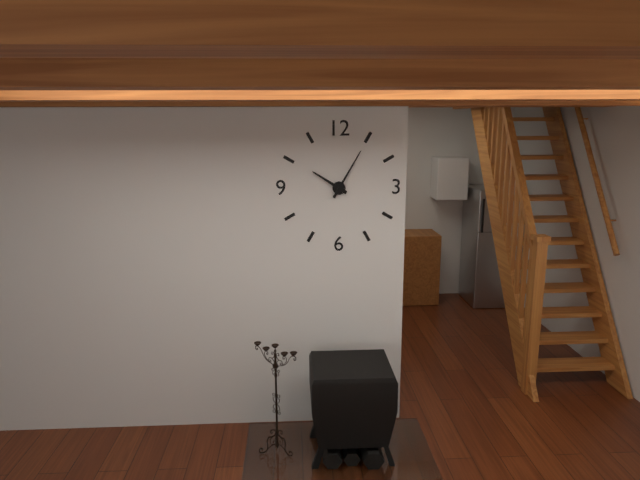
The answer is **10:05**
